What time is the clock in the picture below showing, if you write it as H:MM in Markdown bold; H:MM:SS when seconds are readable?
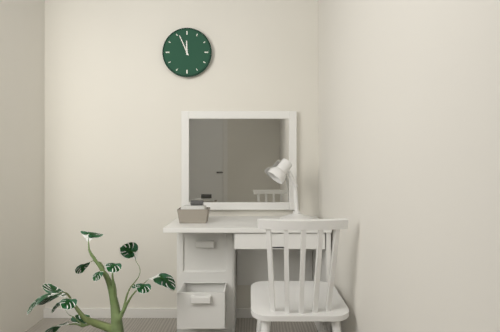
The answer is **11:56**
